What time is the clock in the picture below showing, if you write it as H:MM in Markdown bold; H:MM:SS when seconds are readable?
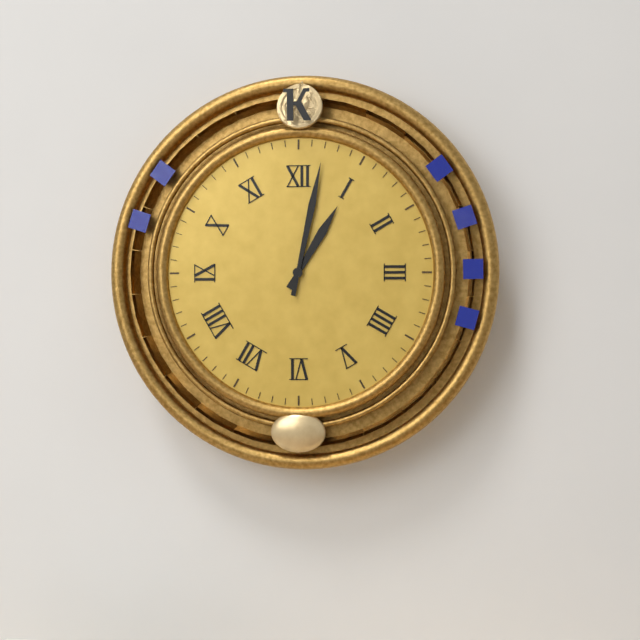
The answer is **1:02**
